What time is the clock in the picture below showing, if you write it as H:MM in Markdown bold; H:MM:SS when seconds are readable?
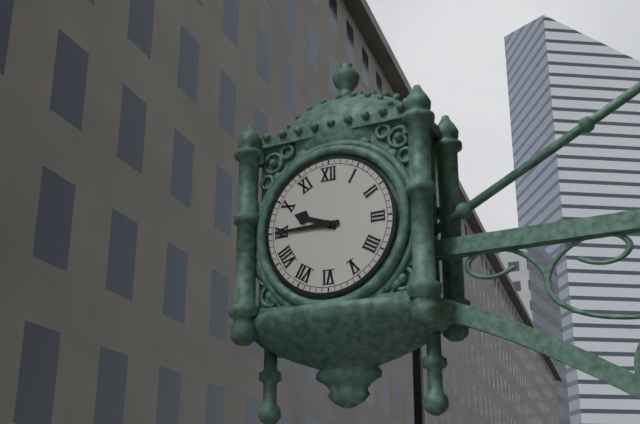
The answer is **9:45**
